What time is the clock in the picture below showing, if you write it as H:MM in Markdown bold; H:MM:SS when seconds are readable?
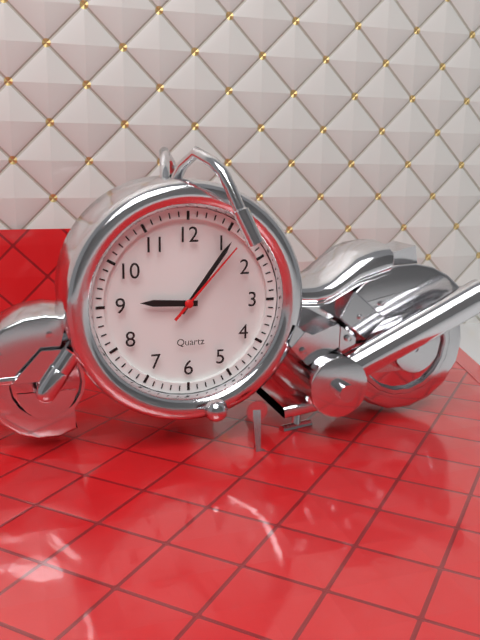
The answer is **9:06:07**
